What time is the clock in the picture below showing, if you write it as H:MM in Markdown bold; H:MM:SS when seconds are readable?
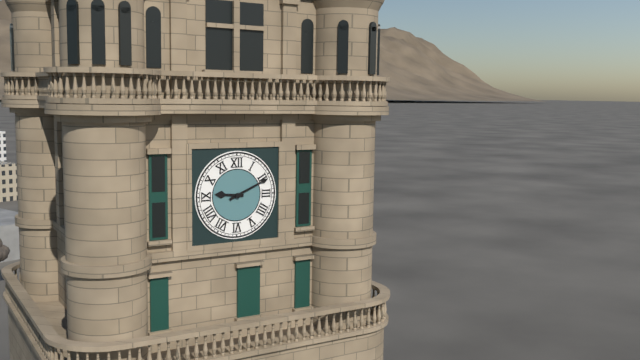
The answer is **9:11**
